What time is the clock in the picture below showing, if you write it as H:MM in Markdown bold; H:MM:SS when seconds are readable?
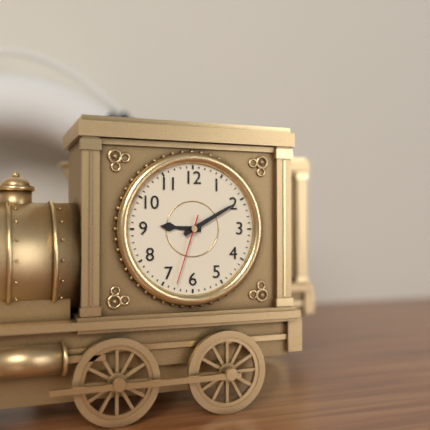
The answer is **9:10:33**
